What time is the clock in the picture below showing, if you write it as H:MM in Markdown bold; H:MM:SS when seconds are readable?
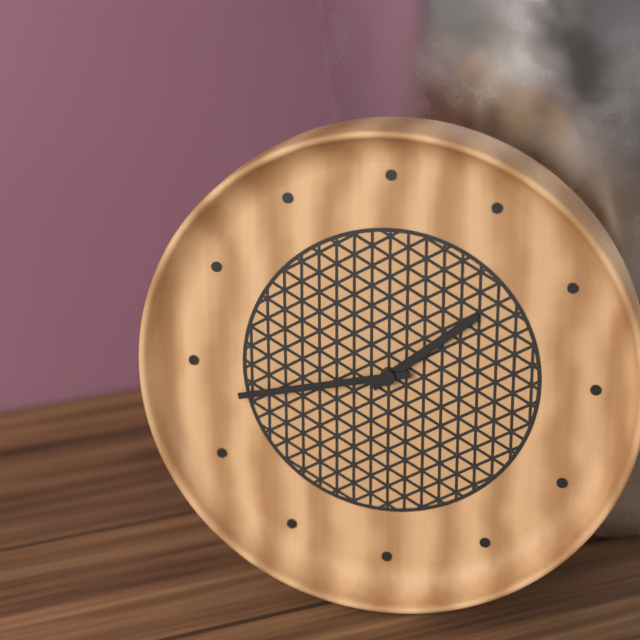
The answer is **1:43**
